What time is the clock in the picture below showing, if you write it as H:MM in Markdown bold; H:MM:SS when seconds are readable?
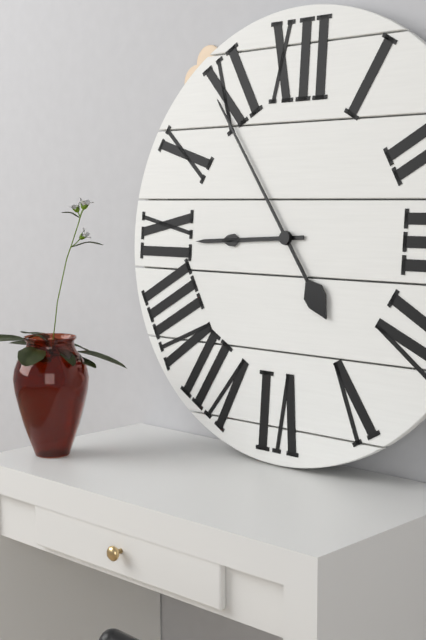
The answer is **8:54**
